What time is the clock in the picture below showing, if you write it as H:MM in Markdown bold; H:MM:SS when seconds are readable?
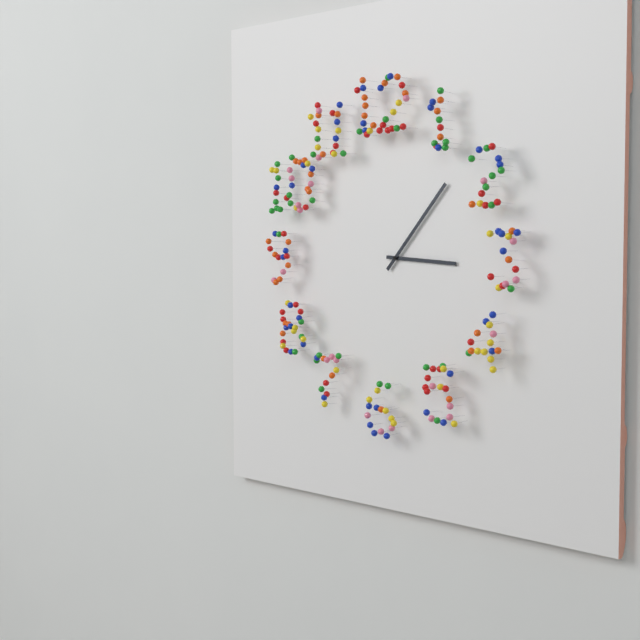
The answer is **3:07**
